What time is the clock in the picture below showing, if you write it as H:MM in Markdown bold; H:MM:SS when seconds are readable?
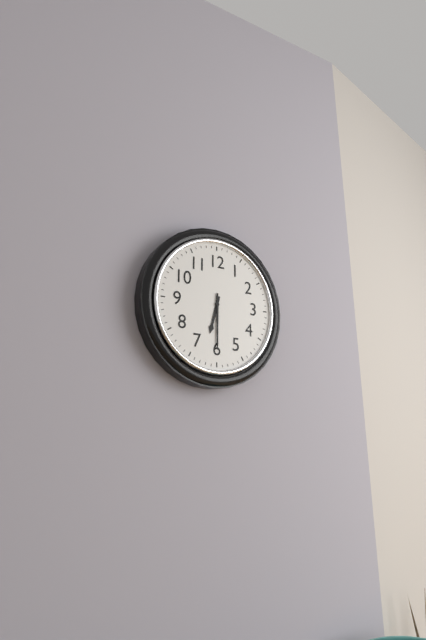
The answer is **6:30**
